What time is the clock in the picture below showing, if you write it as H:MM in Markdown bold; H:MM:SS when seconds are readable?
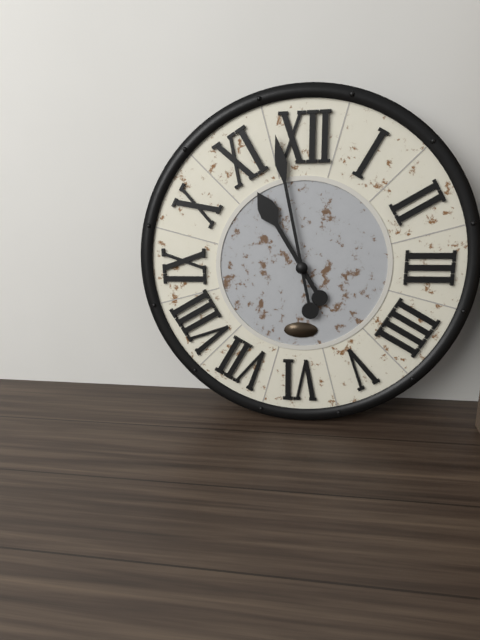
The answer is **10:58**
